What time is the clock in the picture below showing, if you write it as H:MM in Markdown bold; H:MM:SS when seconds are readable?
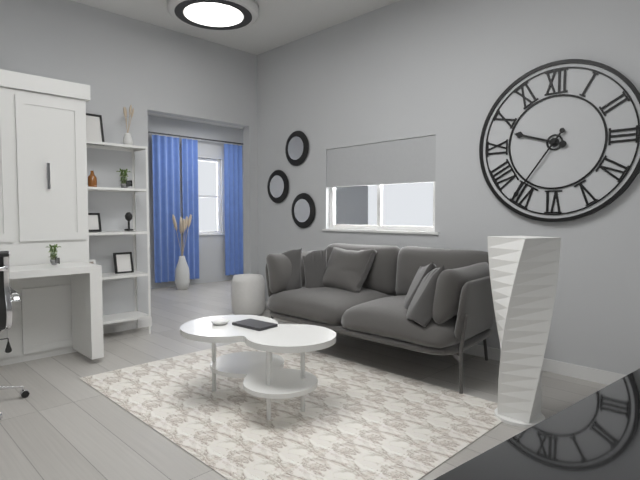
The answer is **9:36**
